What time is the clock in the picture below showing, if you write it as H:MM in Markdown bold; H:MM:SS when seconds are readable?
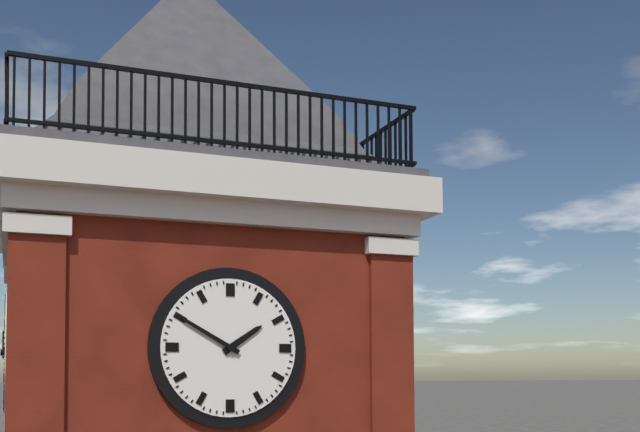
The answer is **1:50**
